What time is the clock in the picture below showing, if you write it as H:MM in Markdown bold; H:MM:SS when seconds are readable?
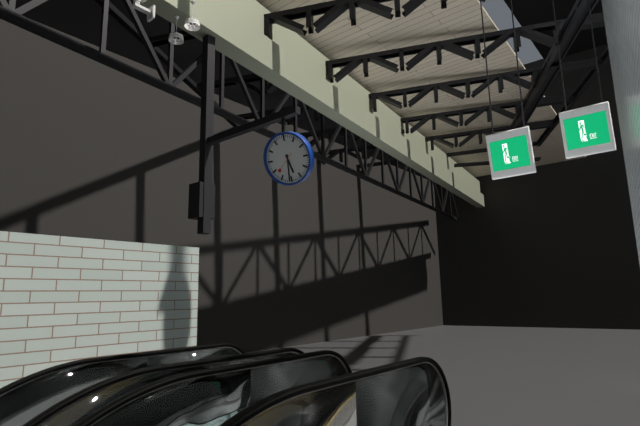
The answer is **5:31**
